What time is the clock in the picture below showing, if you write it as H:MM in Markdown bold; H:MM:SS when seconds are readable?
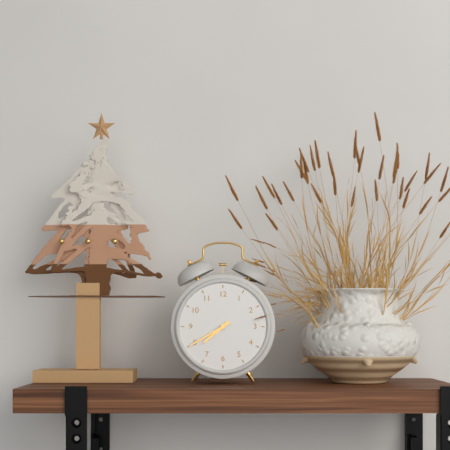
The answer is **7:40**
